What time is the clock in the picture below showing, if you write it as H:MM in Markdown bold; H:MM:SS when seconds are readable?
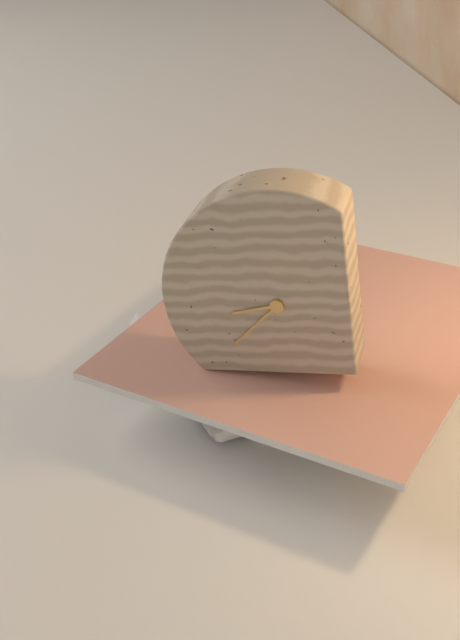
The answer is **8:38**
